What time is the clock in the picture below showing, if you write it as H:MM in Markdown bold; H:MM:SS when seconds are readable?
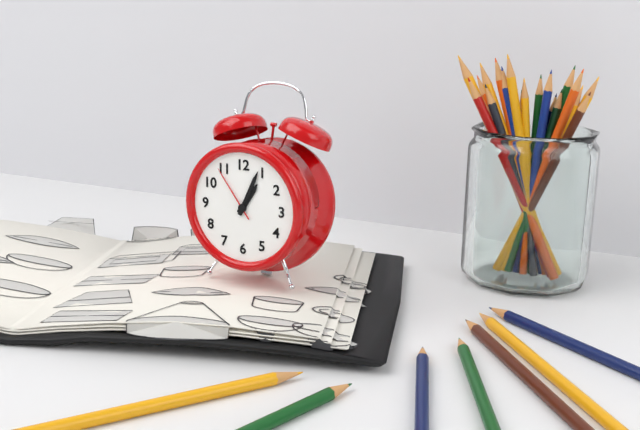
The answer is **1:04:54**
